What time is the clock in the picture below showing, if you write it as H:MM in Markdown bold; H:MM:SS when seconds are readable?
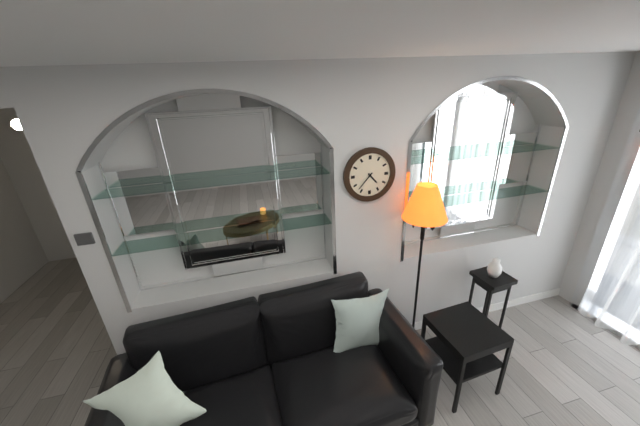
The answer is **4:37**
